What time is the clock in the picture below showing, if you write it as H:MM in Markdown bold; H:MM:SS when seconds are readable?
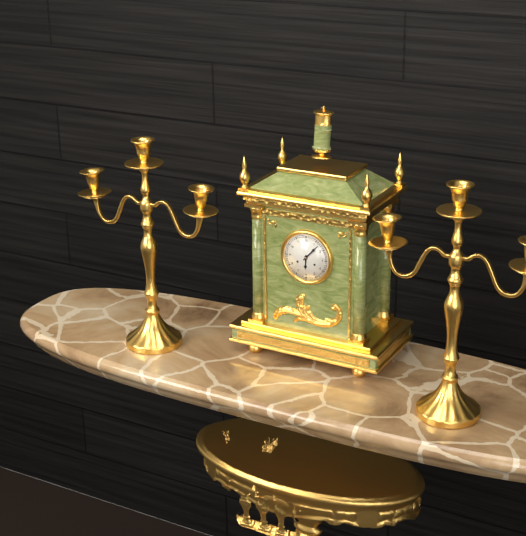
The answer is **6:07**
